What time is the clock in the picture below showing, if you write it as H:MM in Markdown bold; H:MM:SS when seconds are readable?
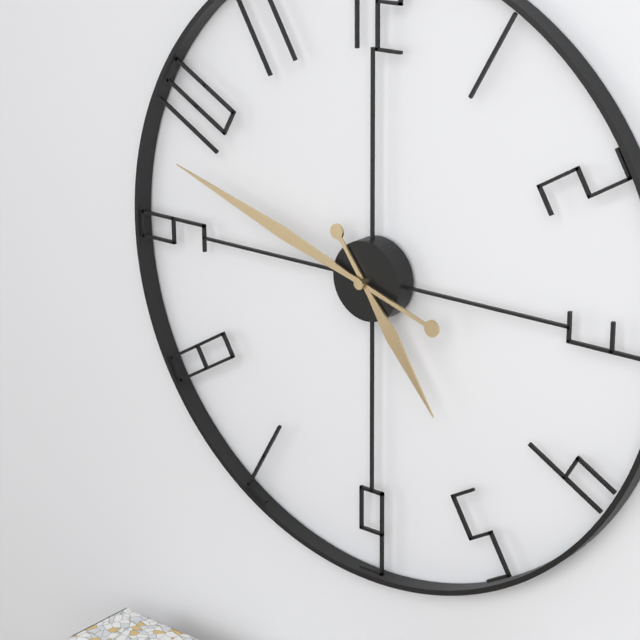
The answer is **4:48**
